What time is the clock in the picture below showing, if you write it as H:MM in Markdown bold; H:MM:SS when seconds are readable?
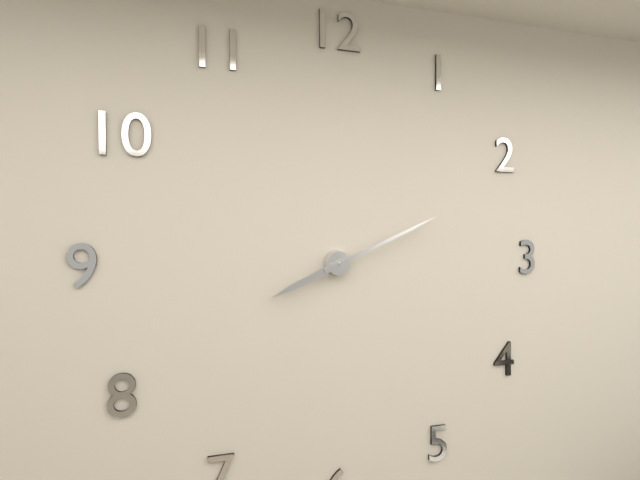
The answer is **8:11**
